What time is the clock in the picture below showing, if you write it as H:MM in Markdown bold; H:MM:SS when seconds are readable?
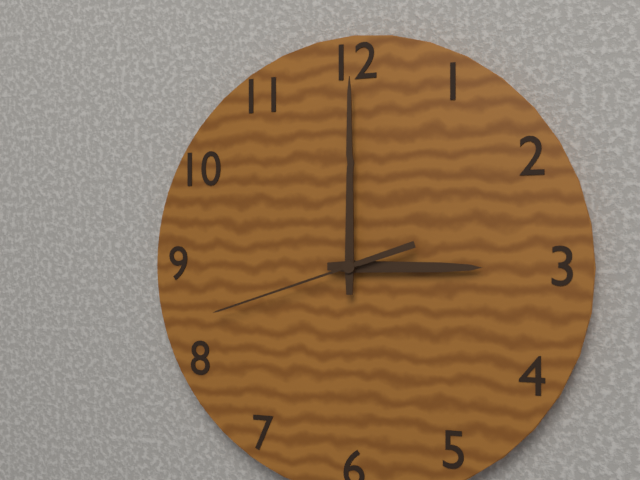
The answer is **3:00:42**
